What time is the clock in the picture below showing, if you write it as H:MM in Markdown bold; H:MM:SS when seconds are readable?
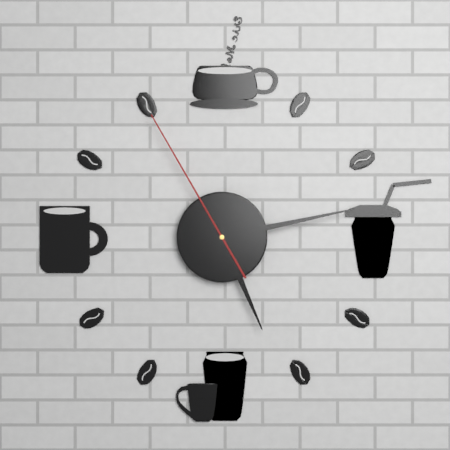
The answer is **5:13:55**
